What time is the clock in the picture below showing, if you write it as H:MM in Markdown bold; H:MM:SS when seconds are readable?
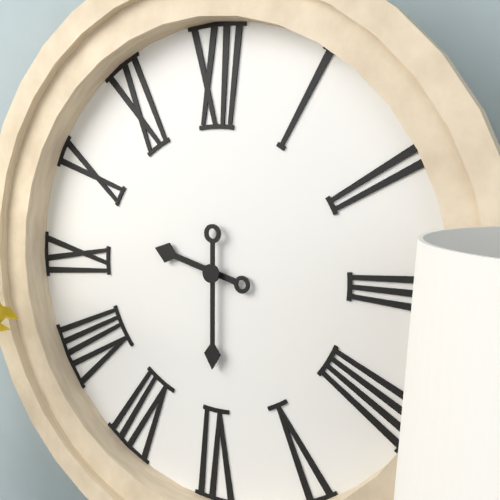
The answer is **9:30**
